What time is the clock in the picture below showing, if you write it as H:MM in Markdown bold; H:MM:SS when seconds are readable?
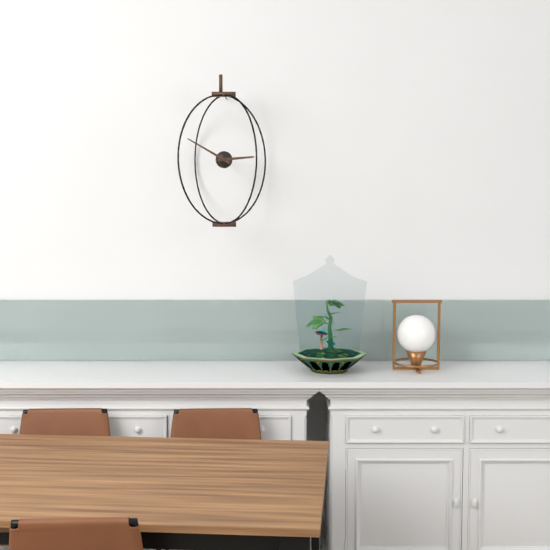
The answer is **2:50**
